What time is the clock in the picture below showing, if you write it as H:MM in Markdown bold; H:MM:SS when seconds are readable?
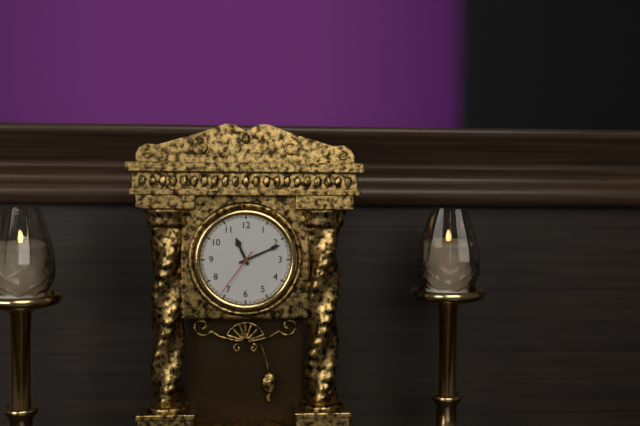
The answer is **11:11:36**
